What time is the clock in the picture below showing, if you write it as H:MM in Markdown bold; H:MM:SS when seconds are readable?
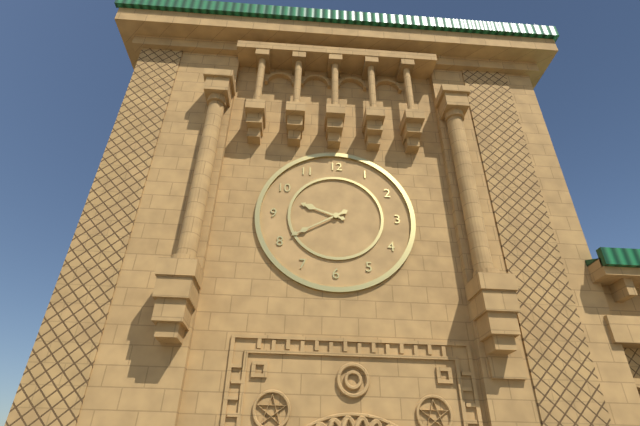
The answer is **9:40**
